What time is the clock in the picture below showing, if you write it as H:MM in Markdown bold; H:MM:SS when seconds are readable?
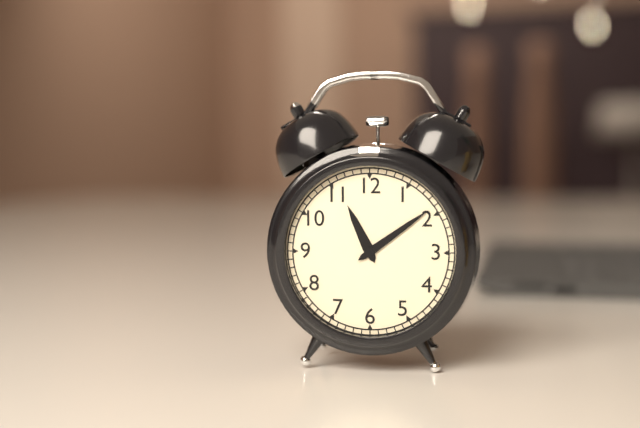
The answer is **11:09**
